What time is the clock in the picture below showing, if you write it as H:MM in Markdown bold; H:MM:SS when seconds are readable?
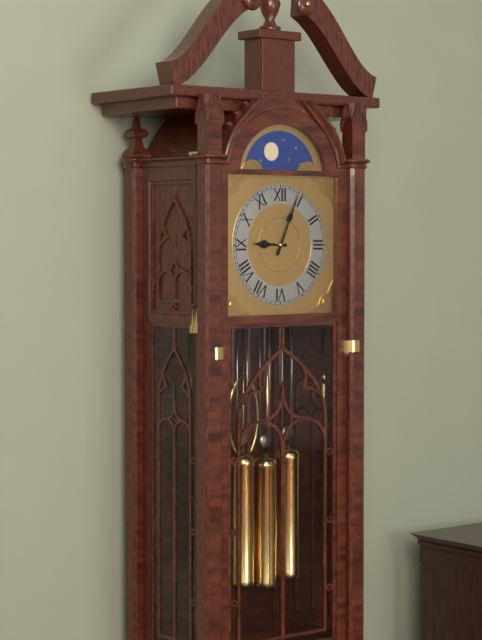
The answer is **9:04**
